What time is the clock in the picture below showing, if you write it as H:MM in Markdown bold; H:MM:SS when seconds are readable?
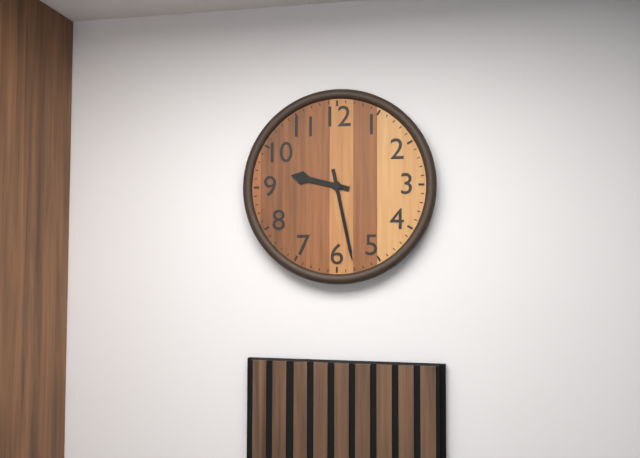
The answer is **9:28**
